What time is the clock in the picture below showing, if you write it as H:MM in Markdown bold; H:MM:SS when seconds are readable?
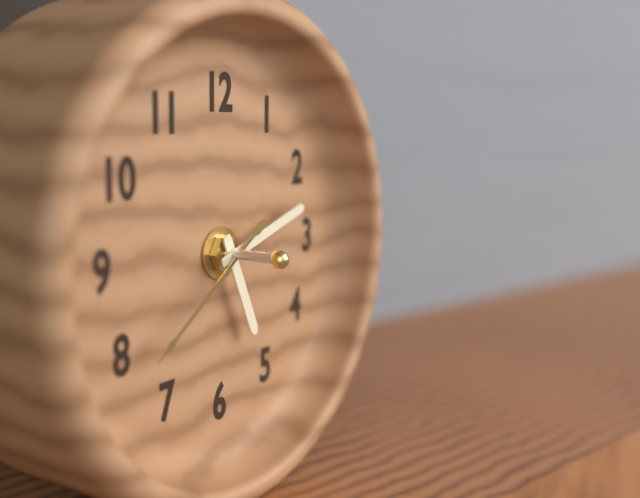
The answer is **5:12:39**
